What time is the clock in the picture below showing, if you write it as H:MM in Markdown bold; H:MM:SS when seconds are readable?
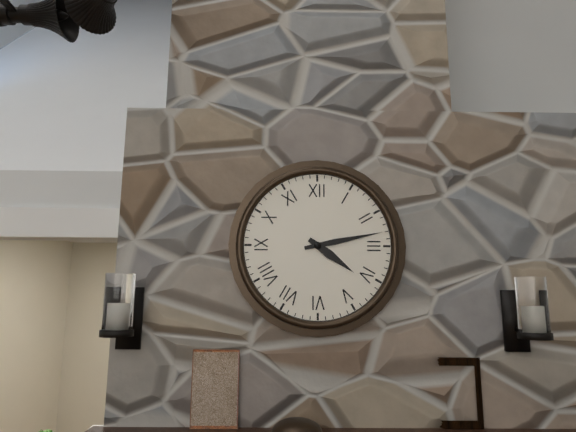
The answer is **4:13**
